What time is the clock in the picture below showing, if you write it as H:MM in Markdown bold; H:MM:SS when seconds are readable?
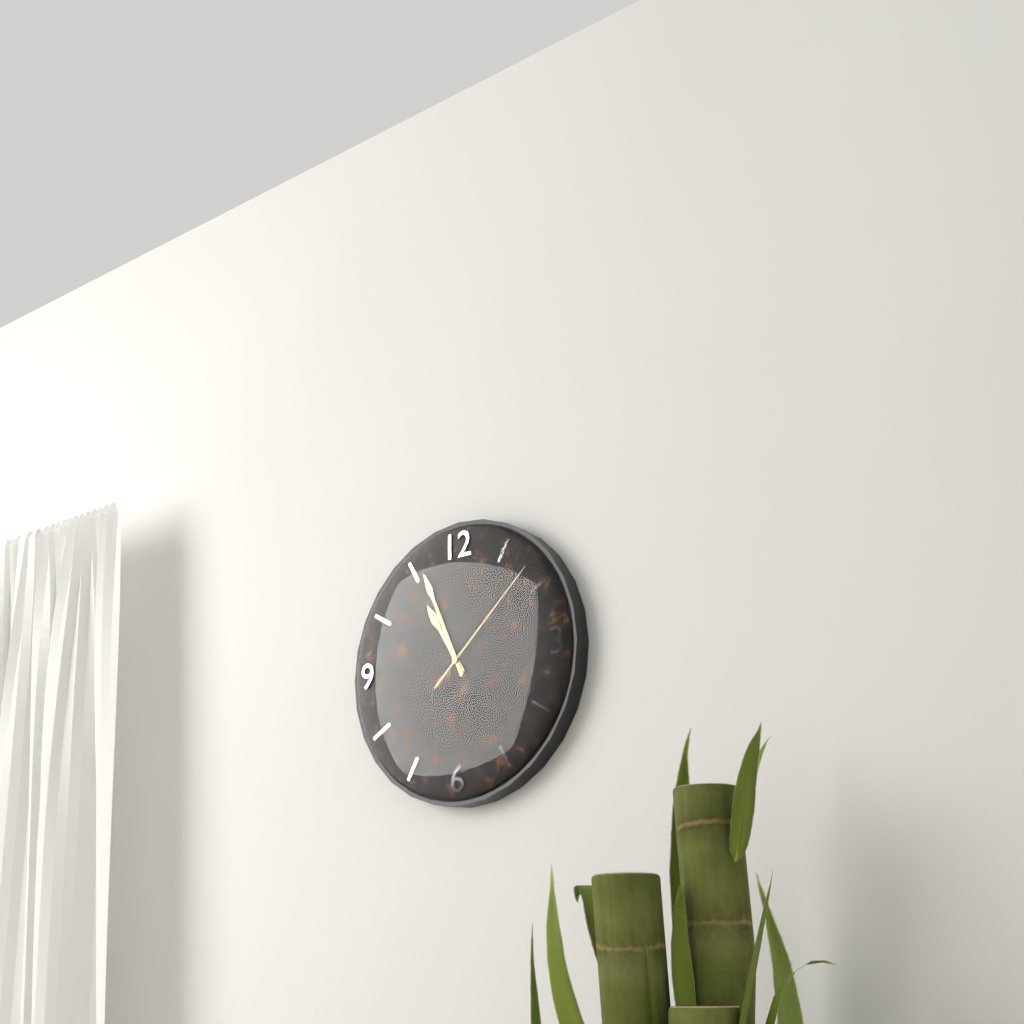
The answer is **10:56:08**
